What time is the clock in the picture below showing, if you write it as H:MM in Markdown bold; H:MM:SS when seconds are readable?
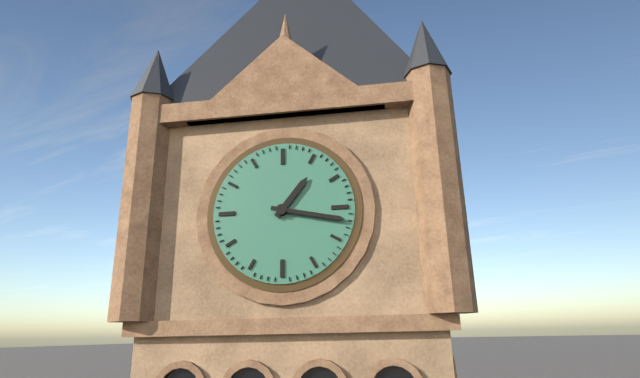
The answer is **1:17**
